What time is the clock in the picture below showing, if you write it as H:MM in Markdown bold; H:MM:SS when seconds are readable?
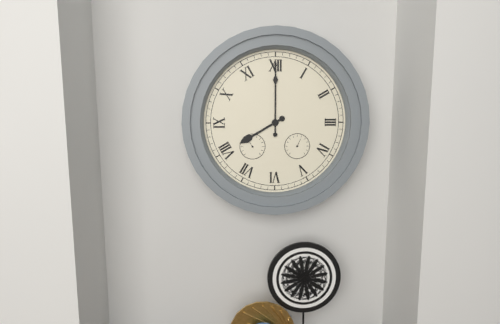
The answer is **8:00**
